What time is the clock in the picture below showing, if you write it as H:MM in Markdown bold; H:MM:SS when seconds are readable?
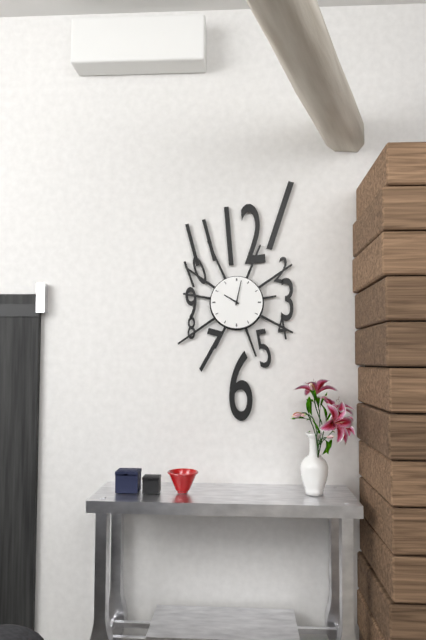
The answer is **10:02**
